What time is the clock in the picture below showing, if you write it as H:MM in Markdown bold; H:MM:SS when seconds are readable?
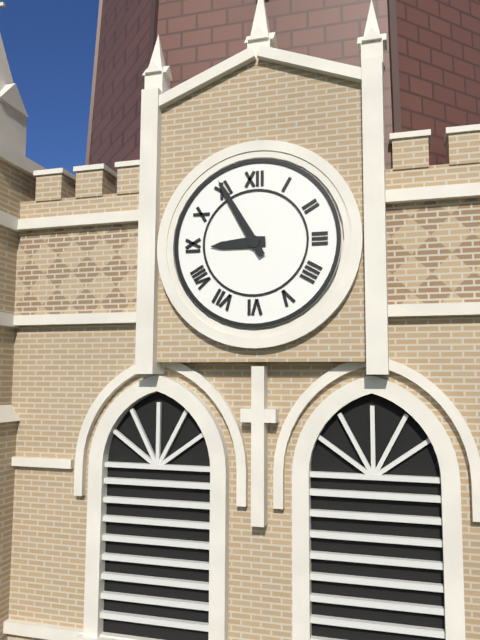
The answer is **8:55**
